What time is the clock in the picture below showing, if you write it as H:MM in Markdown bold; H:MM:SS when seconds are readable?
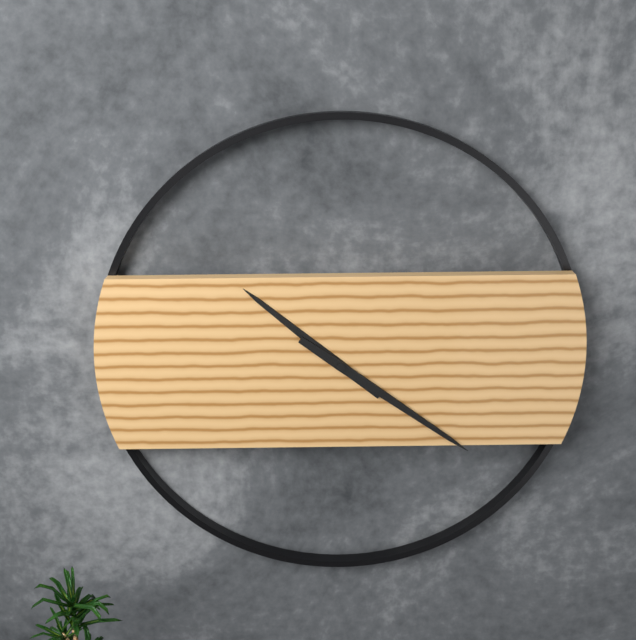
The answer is **10:21**
